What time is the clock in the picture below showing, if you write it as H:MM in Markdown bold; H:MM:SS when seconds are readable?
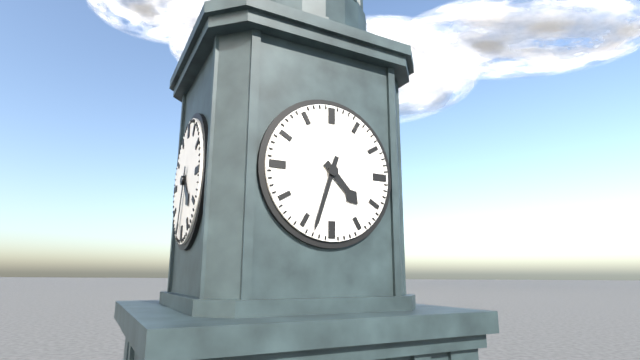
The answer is **4:33**
